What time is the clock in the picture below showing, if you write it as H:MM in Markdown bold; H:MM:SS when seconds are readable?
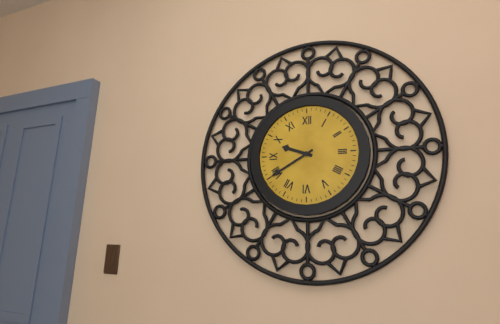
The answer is **9:40**
